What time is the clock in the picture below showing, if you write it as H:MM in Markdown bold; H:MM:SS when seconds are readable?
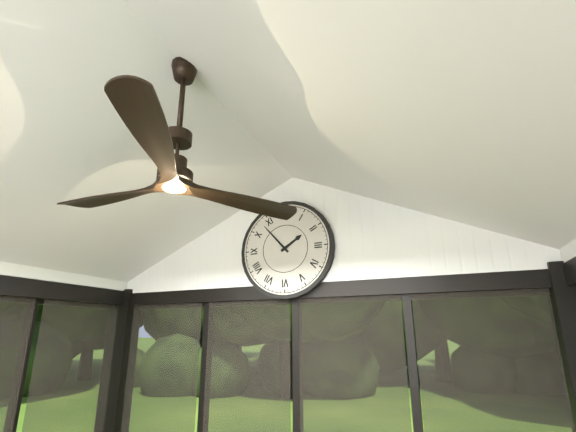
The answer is **1:53**
